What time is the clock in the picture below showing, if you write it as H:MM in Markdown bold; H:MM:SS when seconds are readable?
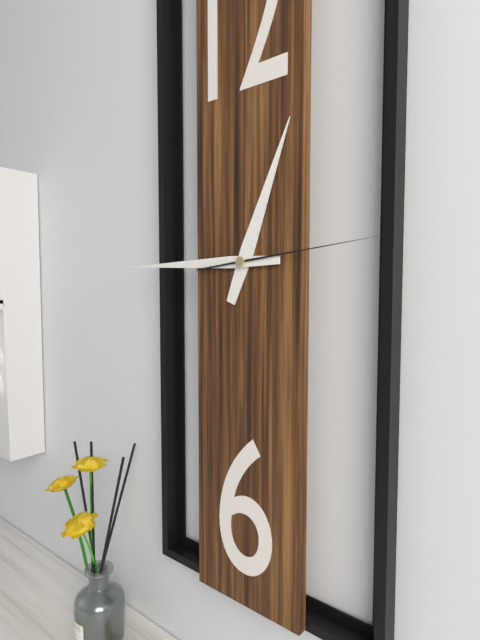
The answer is **12:45:14**
